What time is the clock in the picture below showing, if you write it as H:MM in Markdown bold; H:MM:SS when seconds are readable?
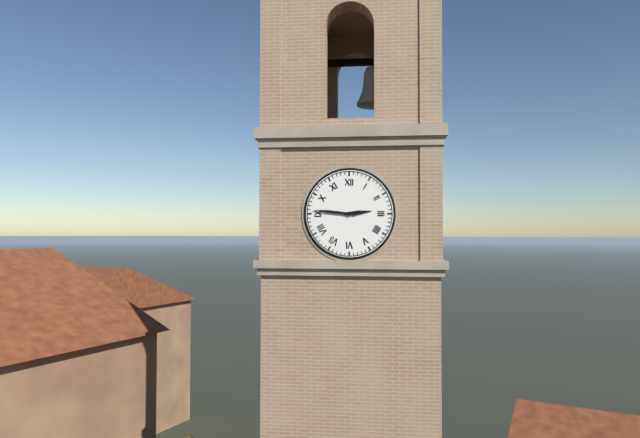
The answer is **2:46**
